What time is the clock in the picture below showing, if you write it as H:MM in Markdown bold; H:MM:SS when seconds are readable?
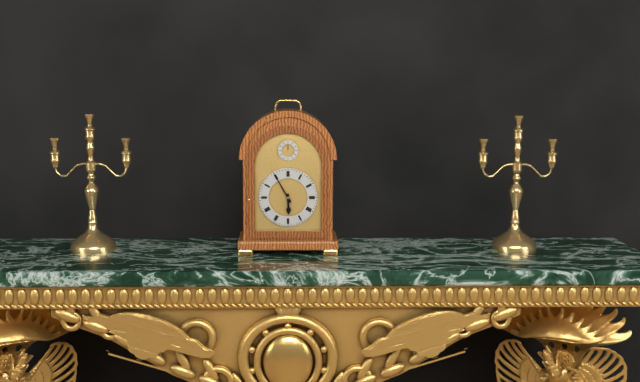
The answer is **5:55**
